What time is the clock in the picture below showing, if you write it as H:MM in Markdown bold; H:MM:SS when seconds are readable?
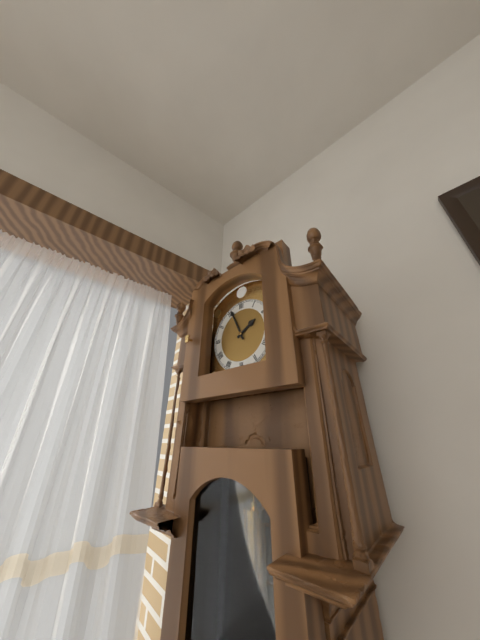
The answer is **1:56**
